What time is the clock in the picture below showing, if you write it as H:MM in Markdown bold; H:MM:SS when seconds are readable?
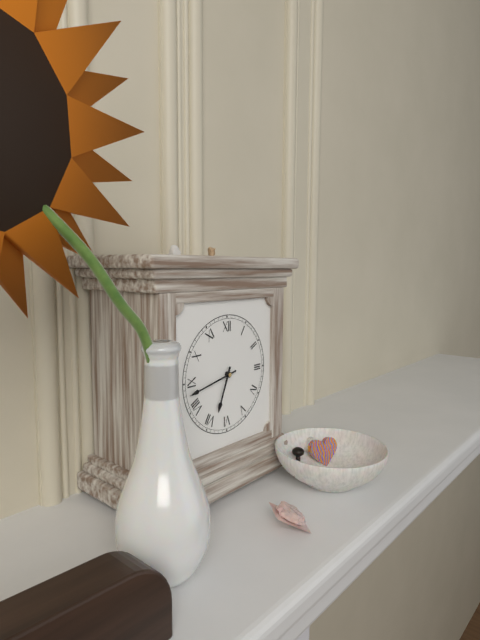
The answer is **6:43**
